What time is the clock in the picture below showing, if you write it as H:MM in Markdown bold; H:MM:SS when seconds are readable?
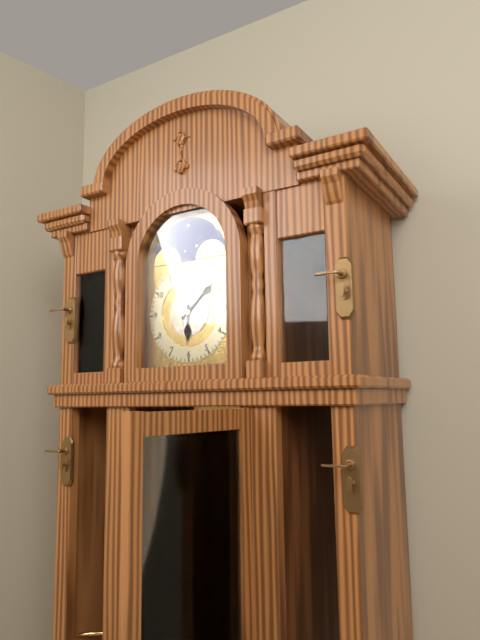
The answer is **6:08**
